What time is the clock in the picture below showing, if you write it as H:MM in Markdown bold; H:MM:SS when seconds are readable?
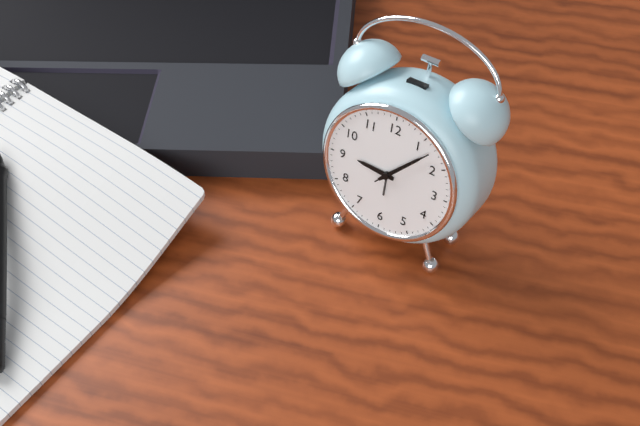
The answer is **9:07:07**
